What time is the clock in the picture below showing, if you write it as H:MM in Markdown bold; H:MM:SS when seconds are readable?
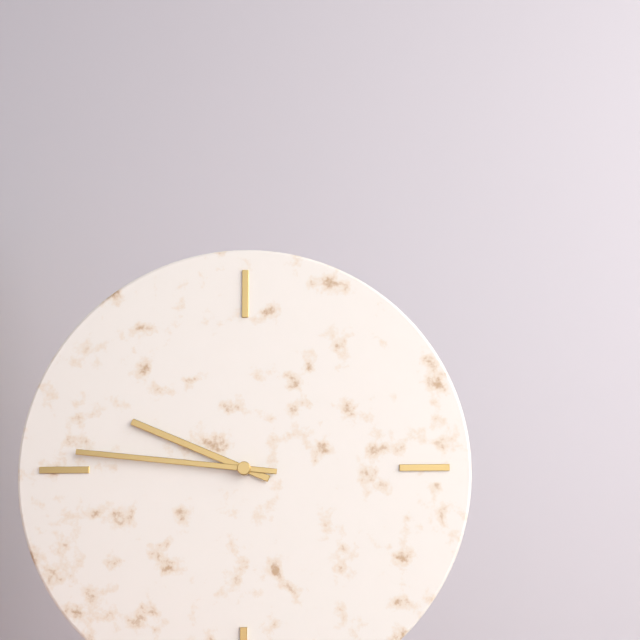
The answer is **9:46**
